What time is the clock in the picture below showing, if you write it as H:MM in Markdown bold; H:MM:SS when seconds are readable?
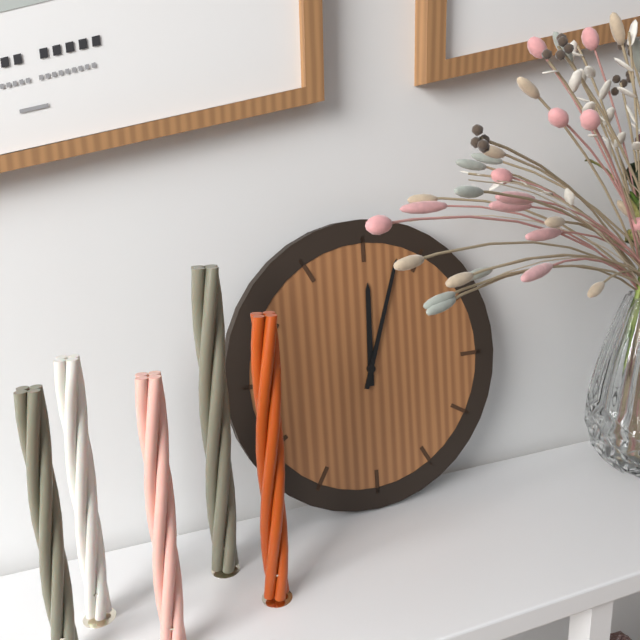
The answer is **12:03**
